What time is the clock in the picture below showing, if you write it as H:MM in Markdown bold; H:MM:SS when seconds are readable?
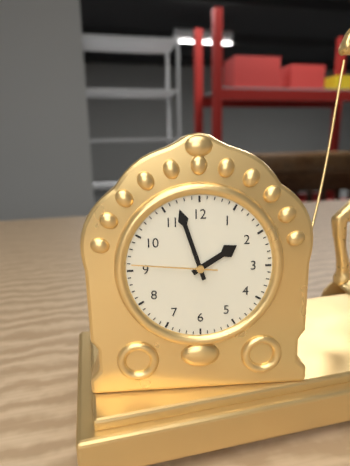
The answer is **1:57:46**
